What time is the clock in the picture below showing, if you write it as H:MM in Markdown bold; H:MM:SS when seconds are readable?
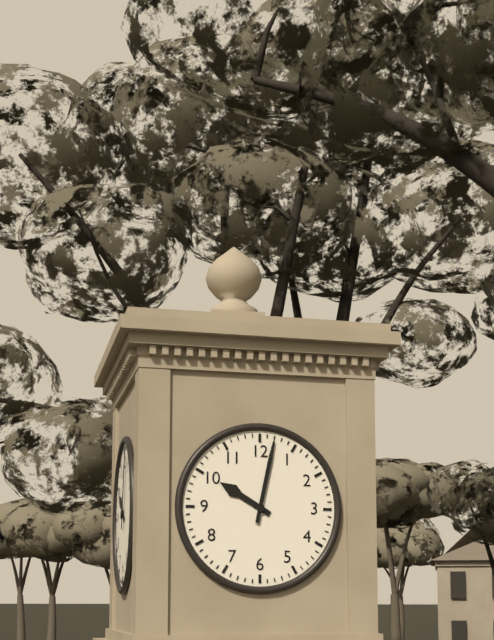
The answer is **10:02**
